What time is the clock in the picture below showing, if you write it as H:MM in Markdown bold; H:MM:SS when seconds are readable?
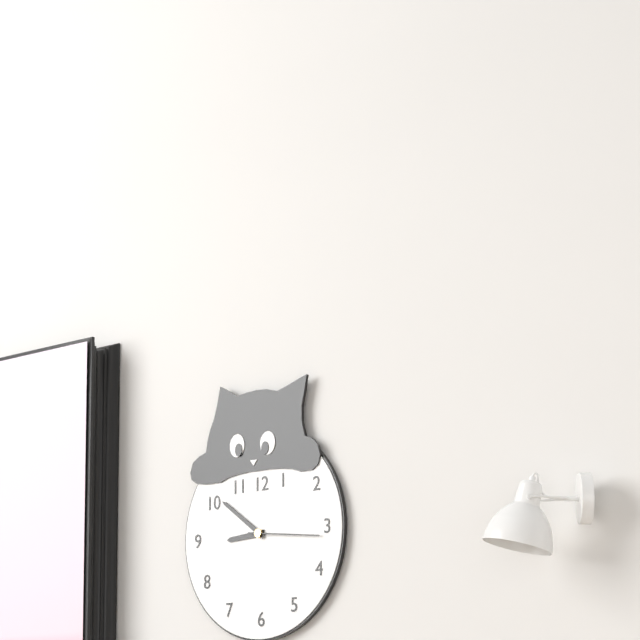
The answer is **8:51:16**
